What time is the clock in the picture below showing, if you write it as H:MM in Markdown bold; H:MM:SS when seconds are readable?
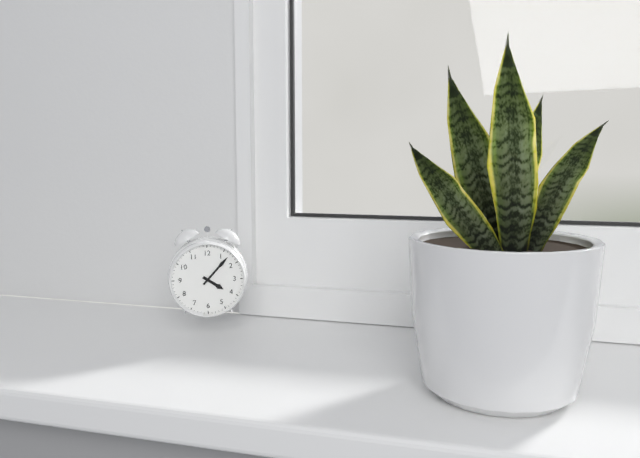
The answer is **4:07**
